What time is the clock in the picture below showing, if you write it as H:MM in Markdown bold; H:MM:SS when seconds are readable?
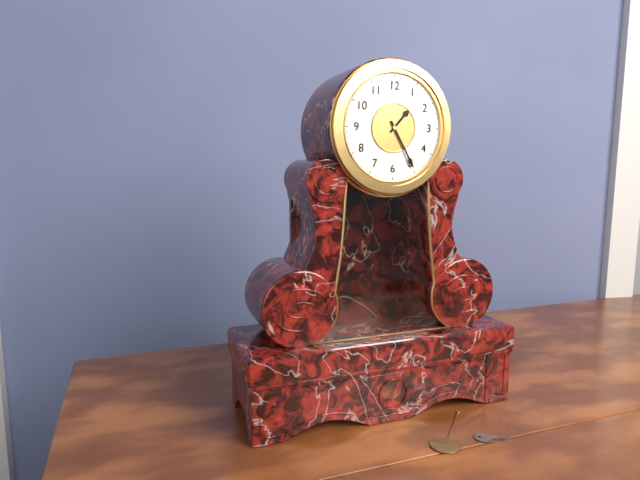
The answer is **1:25**
